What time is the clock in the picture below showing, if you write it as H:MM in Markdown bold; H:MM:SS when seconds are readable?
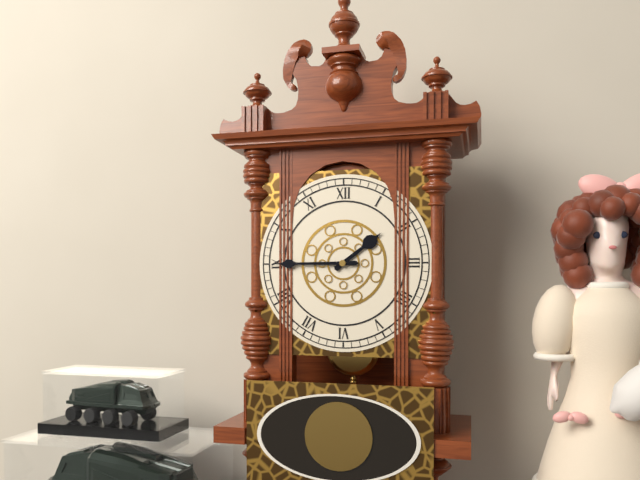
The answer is **1:45**
